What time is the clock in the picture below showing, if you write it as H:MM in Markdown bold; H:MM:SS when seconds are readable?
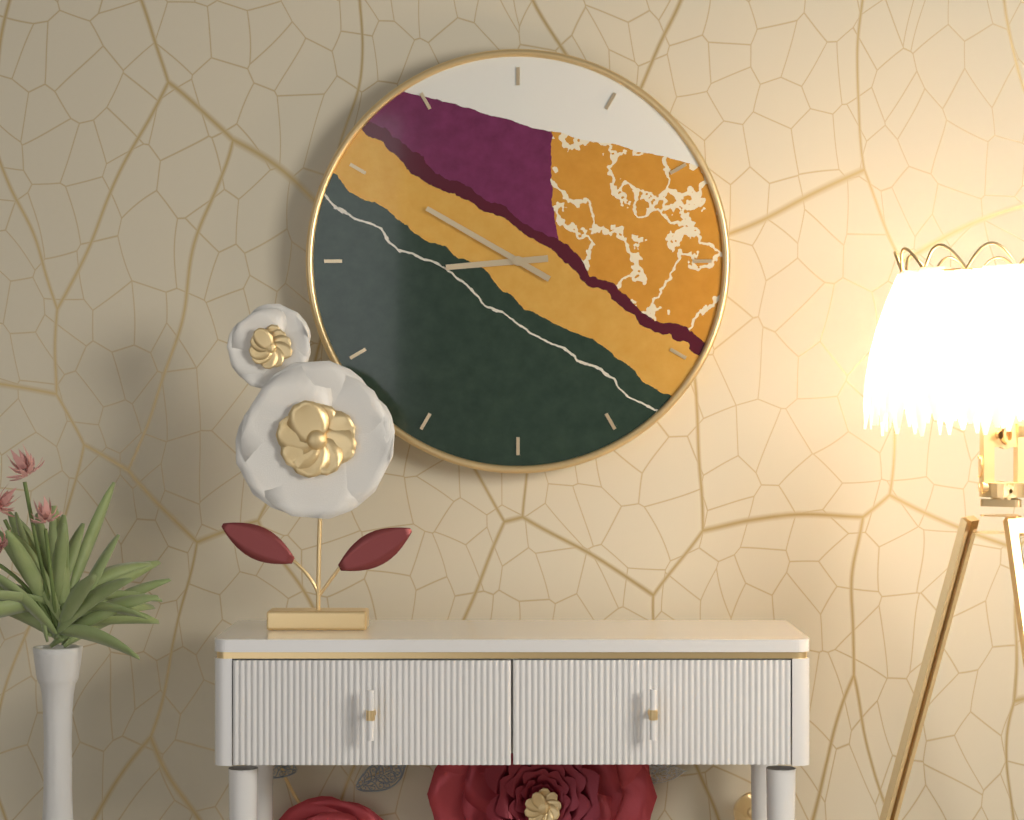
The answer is **8:50**
